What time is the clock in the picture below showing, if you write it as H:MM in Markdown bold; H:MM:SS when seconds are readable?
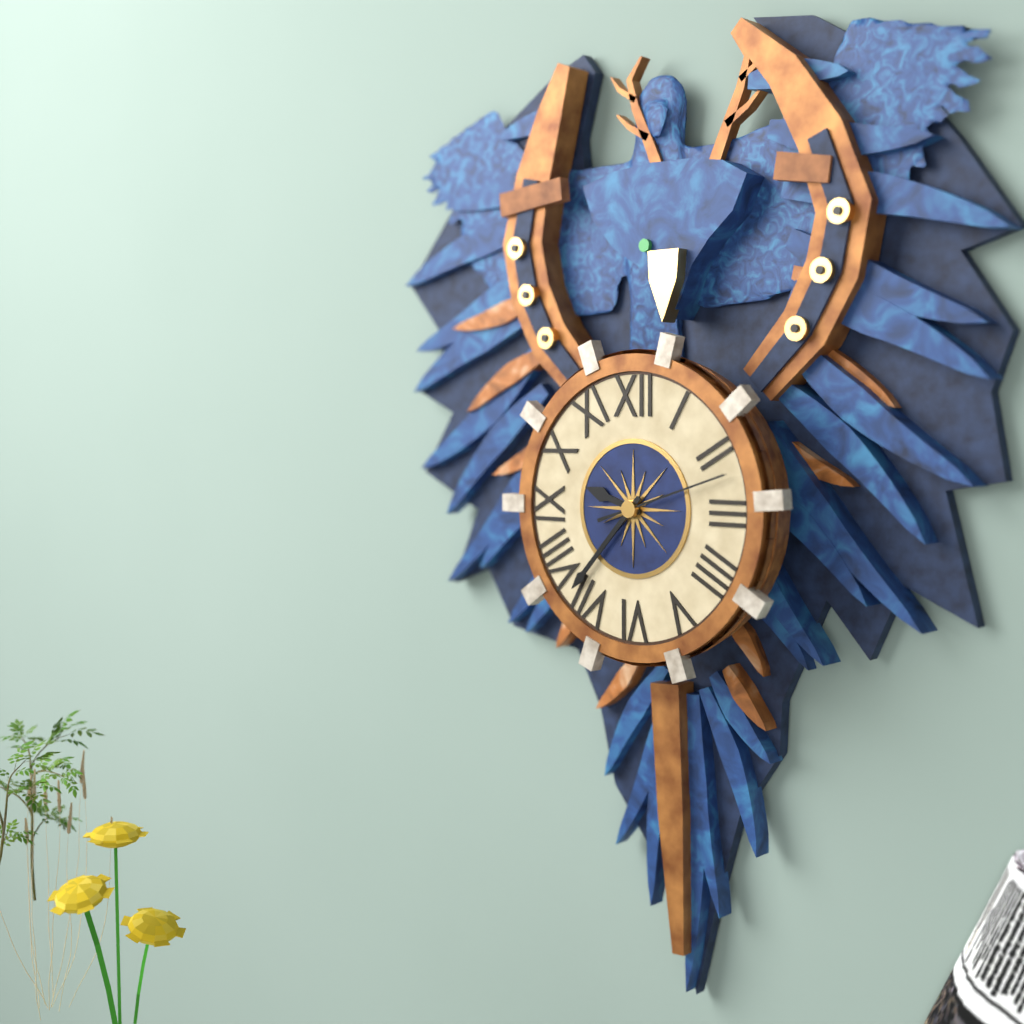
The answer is **9:37:12**
